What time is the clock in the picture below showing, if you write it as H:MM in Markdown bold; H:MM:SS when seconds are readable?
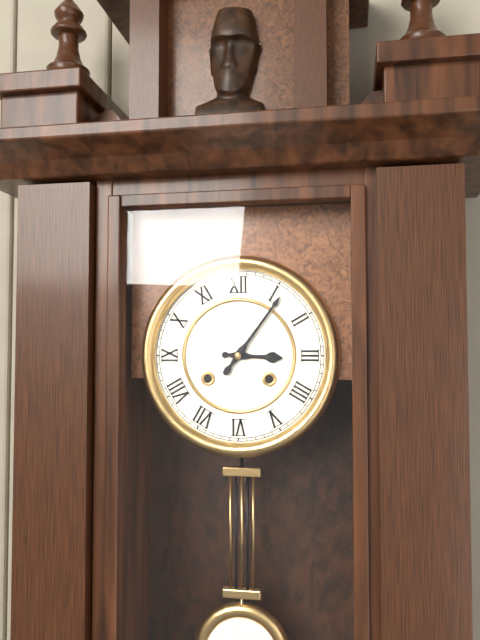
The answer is **3:06**
